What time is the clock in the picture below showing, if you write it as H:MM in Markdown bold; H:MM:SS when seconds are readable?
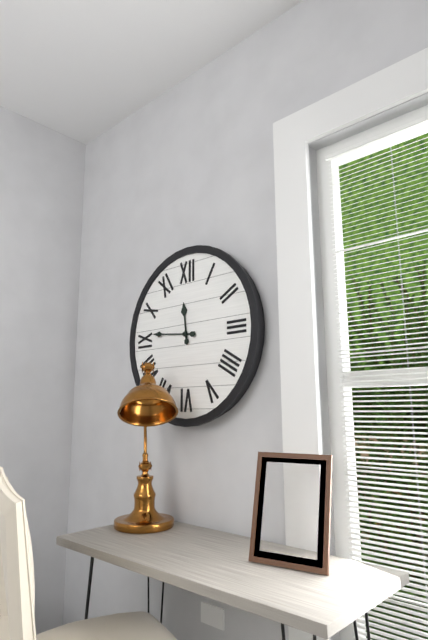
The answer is **11:46**
